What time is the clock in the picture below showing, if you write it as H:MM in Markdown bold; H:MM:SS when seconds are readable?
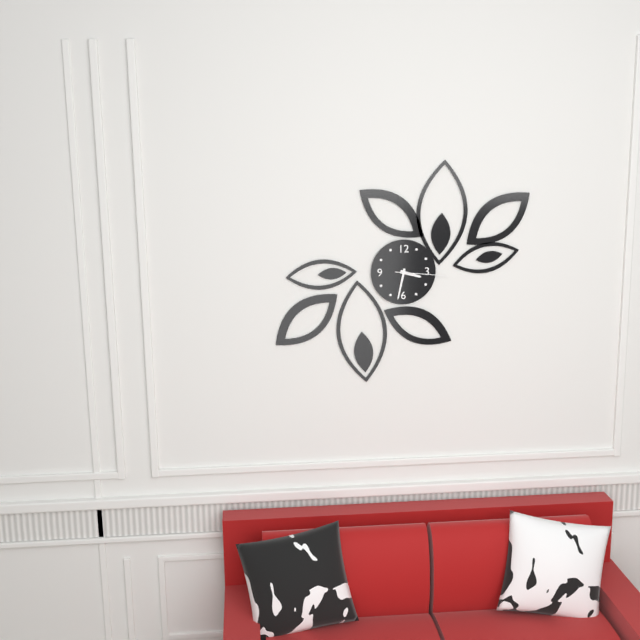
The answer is **3:32:16**
